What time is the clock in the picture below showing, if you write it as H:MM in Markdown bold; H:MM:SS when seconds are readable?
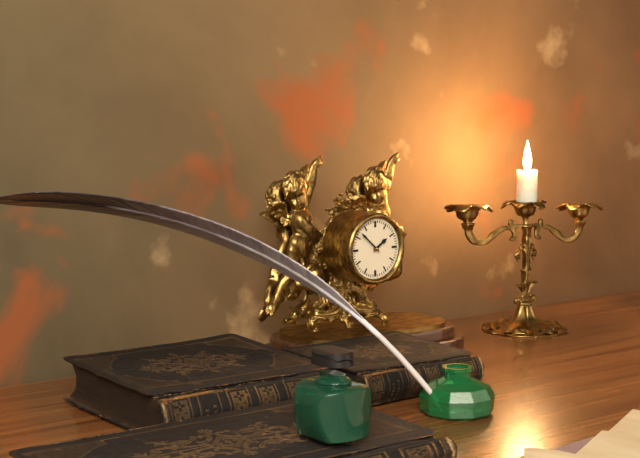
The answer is **1:52**
